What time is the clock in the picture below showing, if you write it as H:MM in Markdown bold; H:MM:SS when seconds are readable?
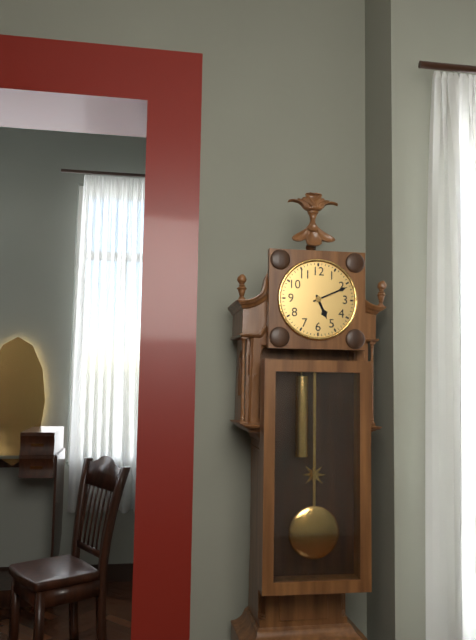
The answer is **5:11**
